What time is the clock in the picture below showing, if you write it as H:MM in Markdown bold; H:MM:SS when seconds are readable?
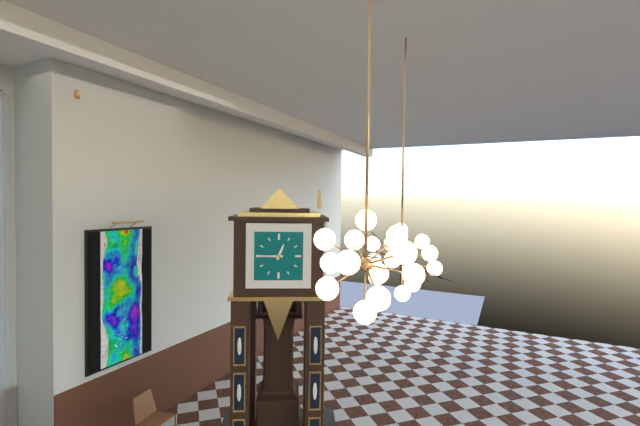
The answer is **12:45**
